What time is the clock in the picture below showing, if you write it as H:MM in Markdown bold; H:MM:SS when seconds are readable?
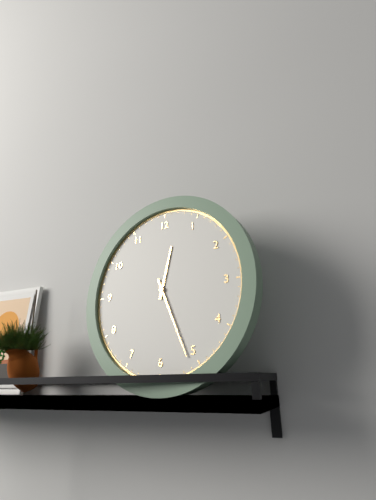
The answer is **12:26**
